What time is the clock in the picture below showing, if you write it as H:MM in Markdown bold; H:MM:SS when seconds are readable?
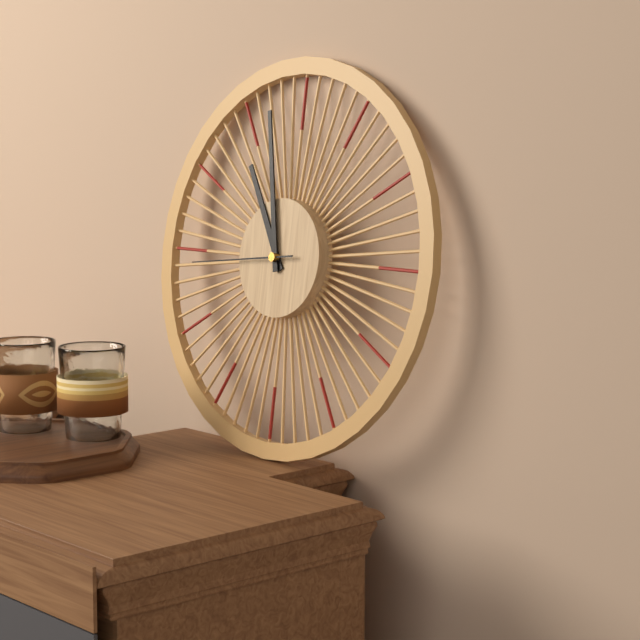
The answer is **10:58:44**
